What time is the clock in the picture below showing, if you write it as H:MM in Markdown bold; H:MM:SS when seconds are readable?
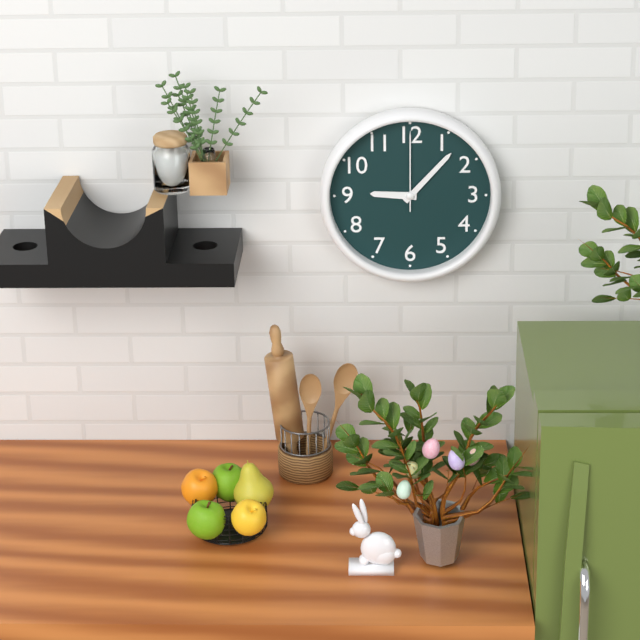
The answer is **9:07:00**
